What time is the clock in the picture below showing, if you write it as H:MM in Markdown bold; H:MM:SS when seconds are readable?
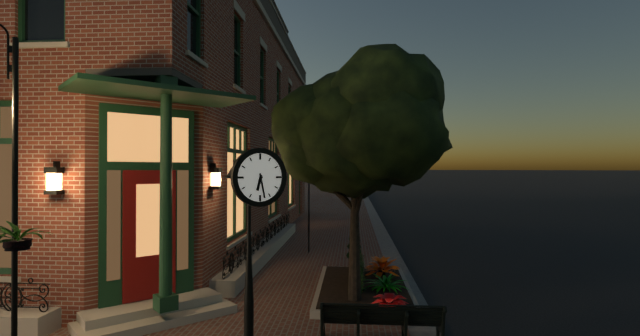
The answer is **6:28**
